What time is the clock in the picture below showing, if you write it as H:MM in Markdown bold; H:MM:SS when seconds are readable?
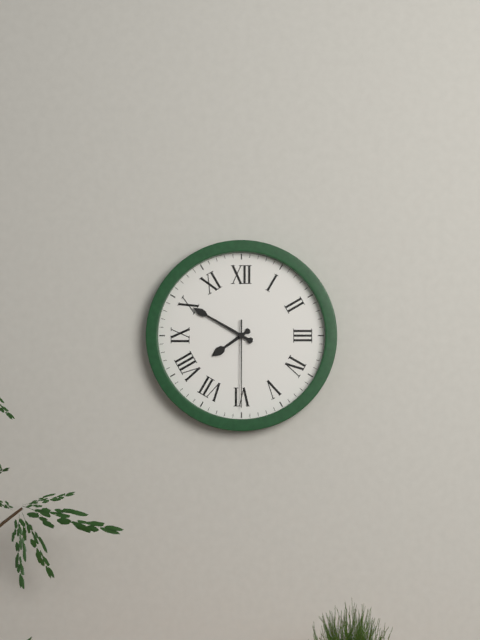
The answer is **7:50:30**
